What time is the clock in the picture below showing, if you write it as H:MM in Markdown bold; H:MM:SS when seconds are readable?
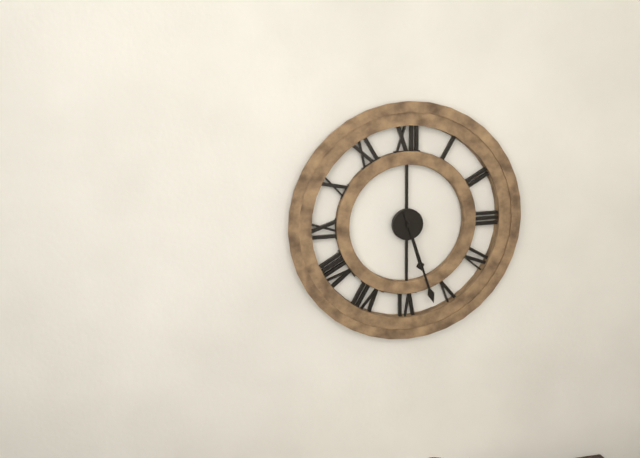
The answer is **5:27**
